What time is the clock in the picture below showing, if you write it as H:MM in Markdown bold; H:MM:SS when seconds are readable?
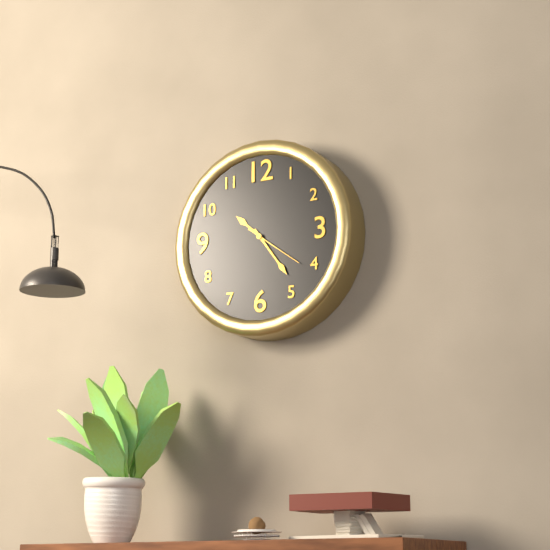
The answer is **10:24:21**
